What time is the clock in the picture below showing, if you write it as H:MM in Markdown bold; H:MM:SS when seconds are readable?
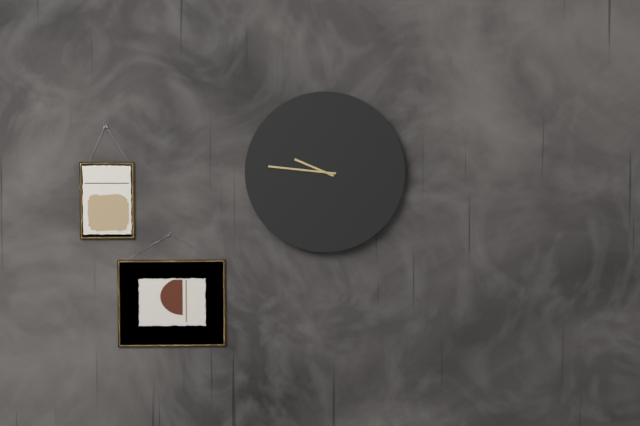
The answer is **9:46**
